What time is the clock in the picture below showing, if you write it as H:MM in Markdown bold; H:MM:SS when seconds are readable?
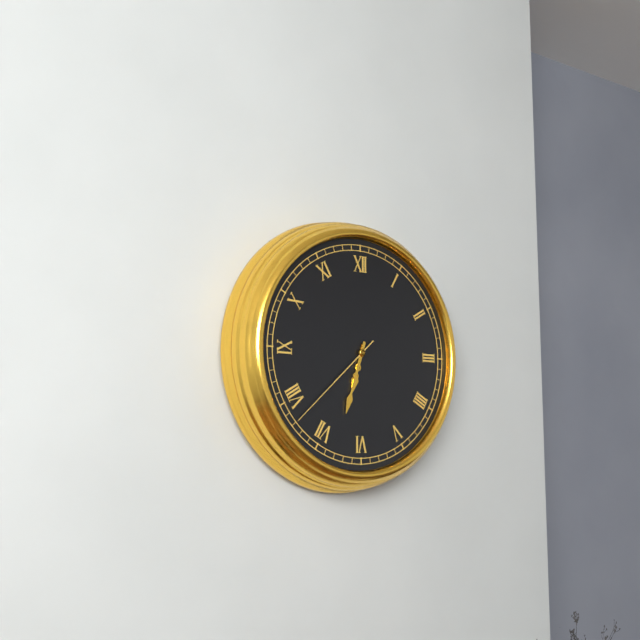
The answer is **6:33:38**
